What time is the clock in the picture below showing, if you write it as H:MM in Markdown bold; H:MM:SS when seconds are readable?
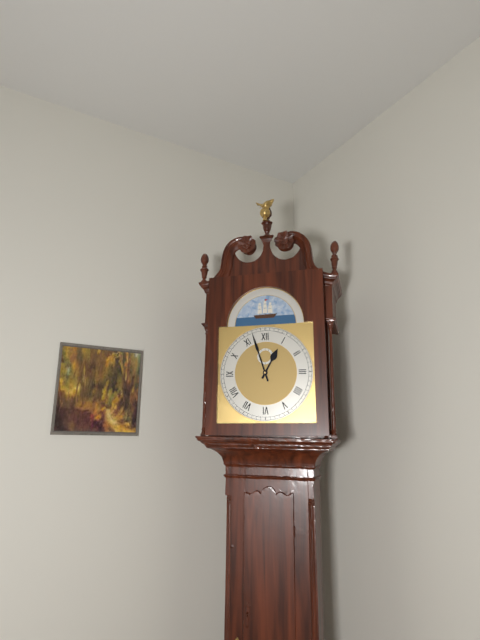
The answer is **12:57**
